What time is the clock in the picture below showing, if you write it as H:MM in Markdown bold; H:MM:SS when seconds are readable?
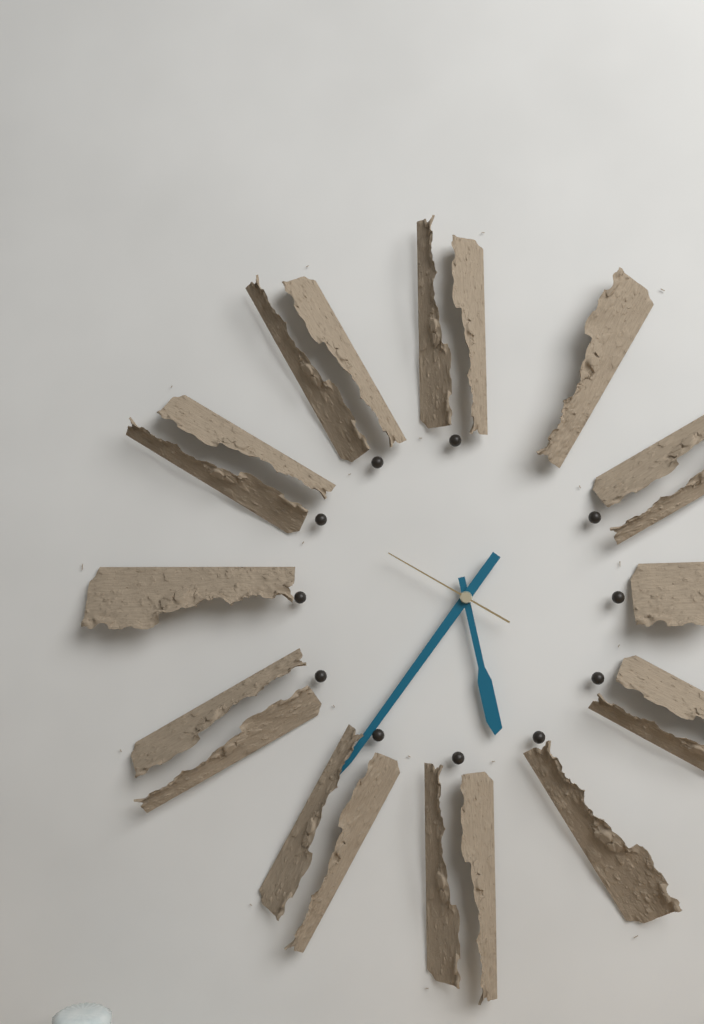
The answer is **5:36:50**
